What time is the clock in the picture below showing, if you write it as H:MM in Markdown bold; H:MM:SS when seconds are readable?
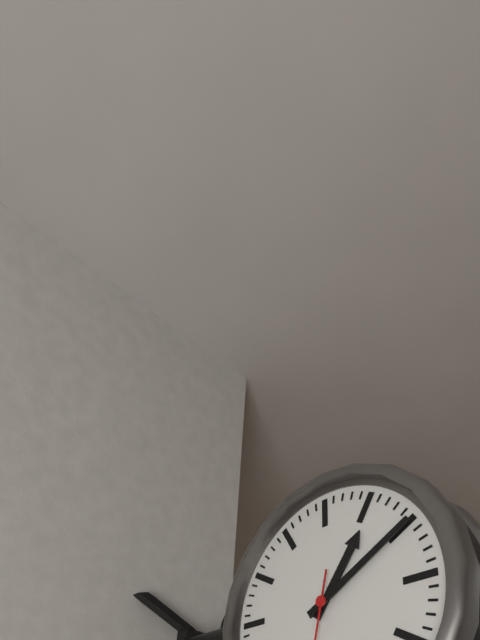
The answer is **1:10**
